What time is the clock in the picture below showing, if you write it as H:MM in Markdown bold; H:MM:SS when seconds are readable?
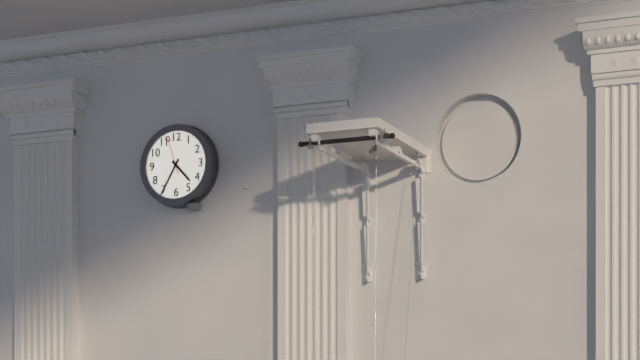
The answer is **4:35**
